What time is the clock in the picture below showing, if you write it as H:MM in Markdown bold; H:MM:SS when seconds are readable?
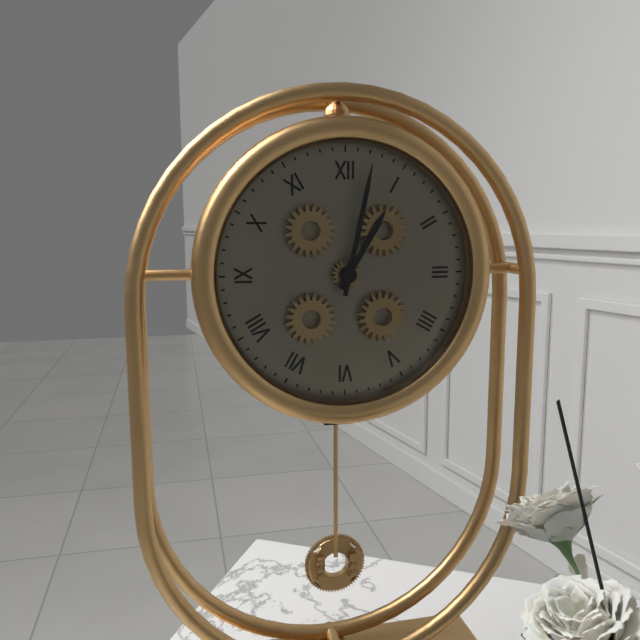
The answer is **1:02**
